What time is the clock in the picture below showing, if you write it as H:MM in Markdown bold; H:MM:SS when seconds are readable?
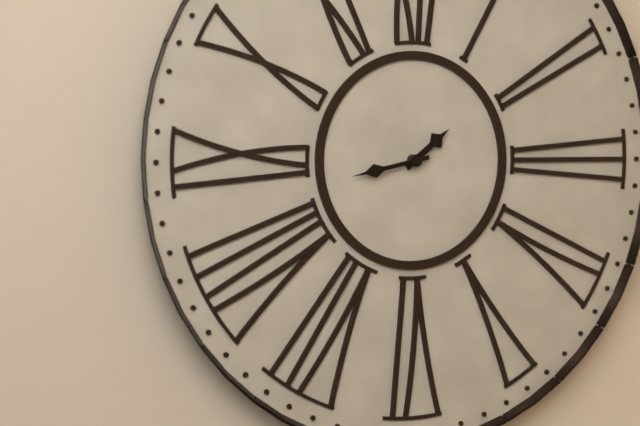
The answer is **1:43**
